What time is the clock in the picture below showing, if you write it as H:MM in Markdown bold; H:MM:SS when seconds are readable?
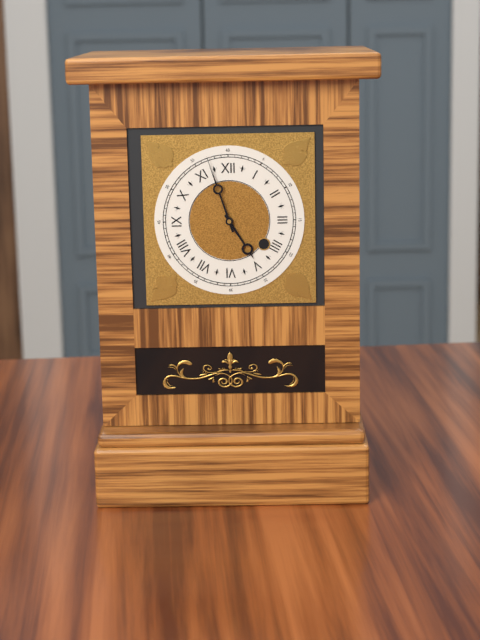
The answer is **4:57**
